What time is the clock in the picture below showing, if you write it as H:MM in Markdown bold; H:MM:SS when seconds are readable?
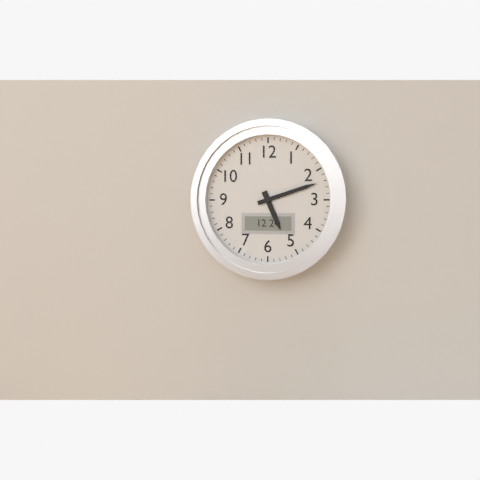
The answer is **5:12**
